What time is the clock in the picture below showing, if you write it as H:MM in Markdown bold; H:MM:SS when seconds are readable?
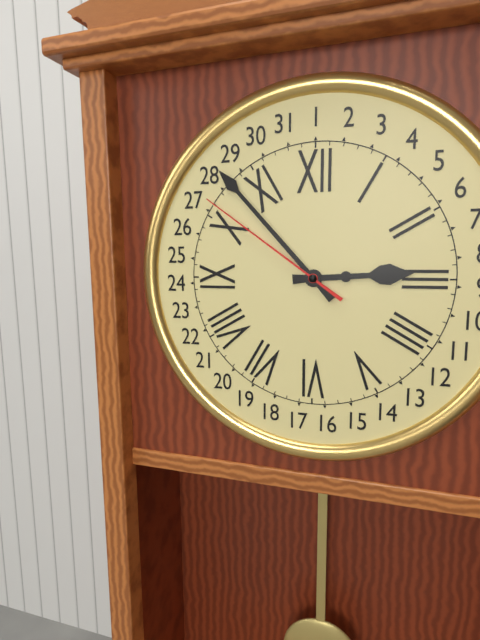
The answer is **2:53:51**
